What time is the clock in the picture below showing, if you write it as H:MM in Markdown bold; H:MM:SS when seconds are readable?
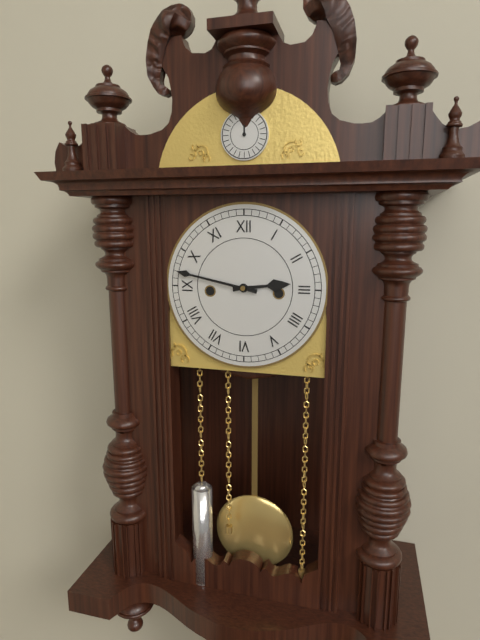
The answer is **2:47**
